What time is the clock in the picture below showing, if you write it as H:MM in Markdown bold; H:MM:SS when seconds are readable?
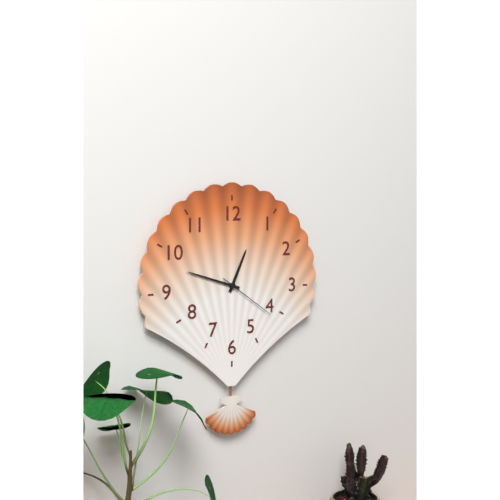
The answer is **12:48:21**
